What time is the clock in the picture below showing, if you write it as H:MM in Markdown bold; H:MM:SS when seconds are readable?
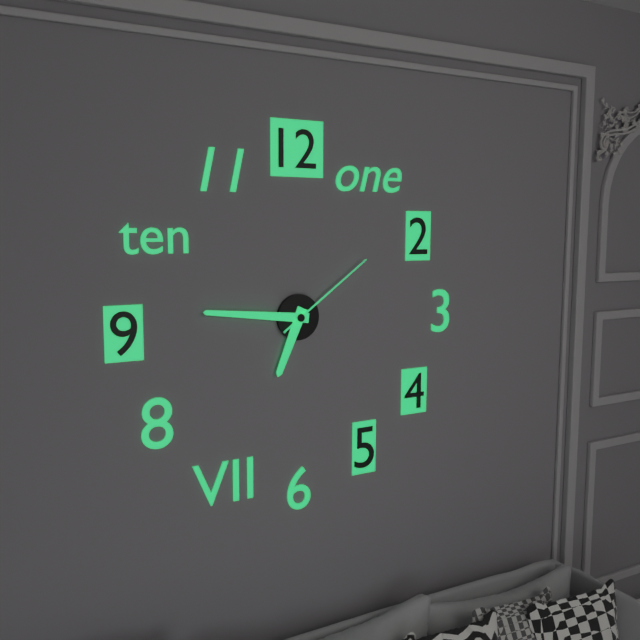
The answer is **6:46:09**
